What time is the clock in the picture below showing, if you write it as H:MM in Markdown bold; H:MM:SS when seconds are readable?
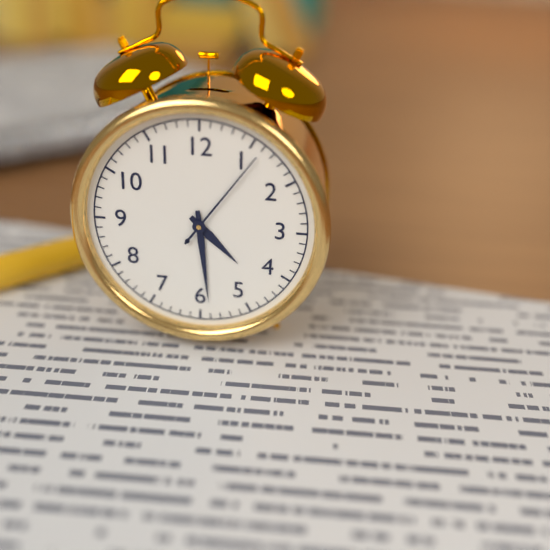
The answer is **4:29:06**
